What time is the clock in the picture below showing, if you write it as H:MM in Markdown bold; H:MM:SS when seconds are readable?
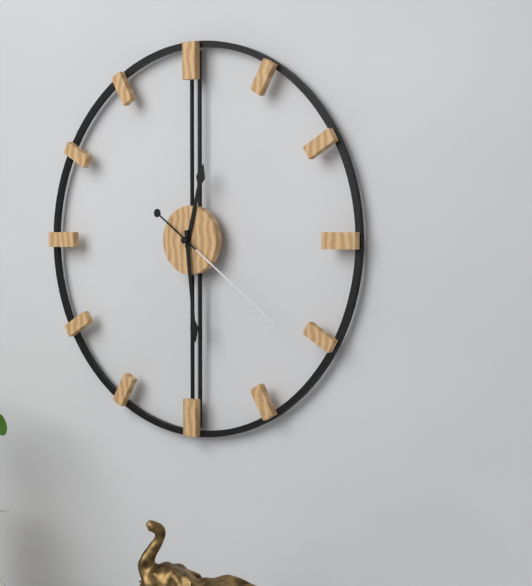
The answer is **12:29:21**
